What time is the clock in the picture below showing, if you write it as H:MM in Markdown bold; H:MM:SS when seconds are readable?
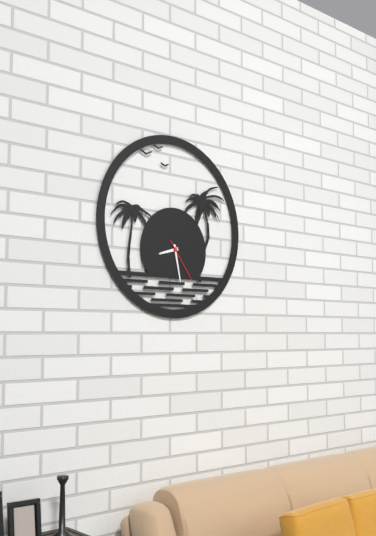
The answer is **8:28**
